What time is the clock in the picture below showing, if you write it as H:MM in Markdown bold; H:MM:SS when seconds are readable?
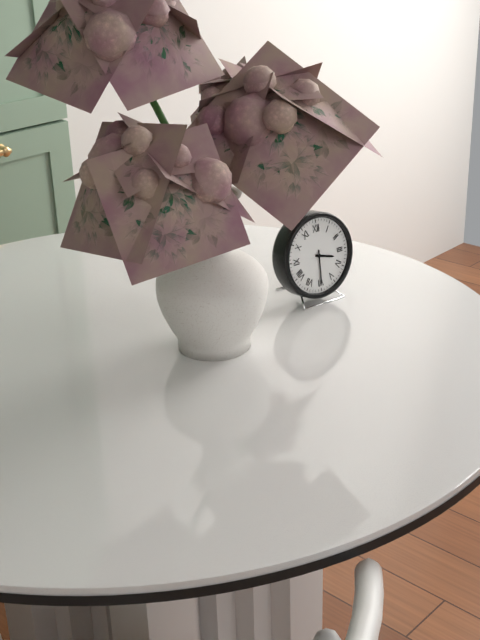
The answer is **3:30**
